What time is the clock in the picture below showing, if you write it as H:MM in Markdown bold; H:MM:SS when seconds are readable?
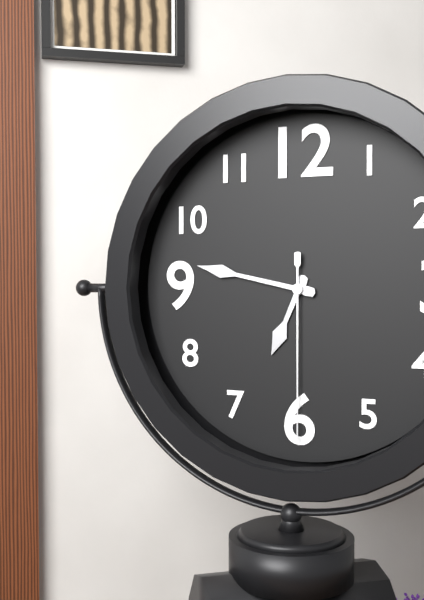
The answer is **6:47:30**
